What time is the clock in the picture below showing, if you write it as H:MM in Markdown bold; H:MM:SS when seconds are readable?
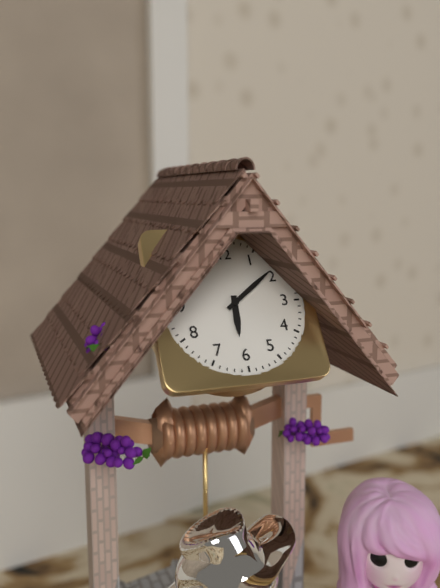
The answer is **6:09**
